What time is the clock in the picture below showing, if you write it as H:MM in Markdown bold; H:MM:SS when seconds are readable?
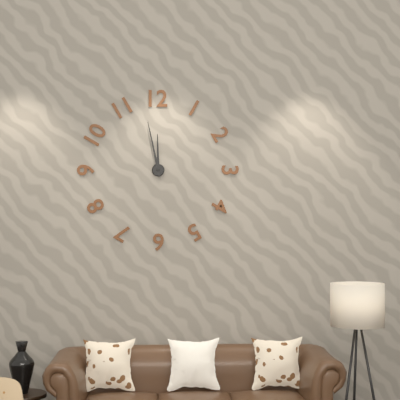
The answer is **11:58**
